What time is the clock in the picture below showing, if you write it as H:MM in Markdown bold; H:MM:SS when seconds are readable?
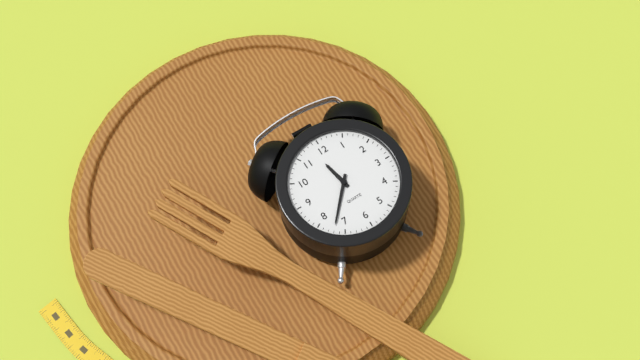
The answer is **11:37**
